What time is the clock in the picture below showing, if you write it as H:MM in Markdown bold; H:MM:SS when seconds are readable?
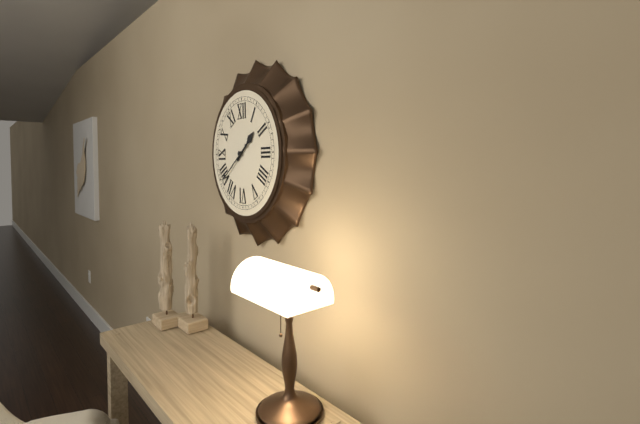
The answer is **1:39**
